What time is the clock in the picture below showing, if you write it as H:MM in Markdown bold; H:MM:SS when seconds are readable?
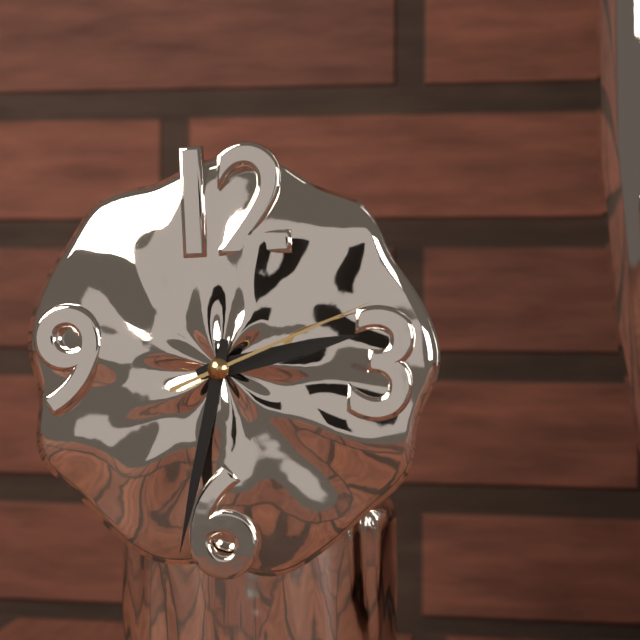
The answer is **2:32:11**
